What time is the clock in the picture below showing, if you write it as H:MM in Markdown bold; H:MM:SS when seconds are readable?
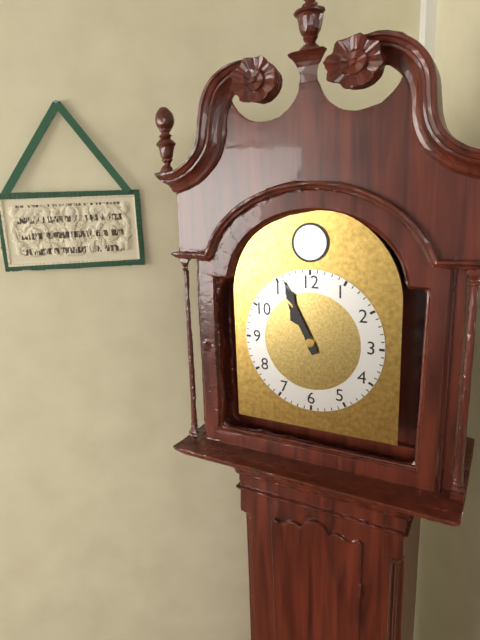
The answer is **10:56**
